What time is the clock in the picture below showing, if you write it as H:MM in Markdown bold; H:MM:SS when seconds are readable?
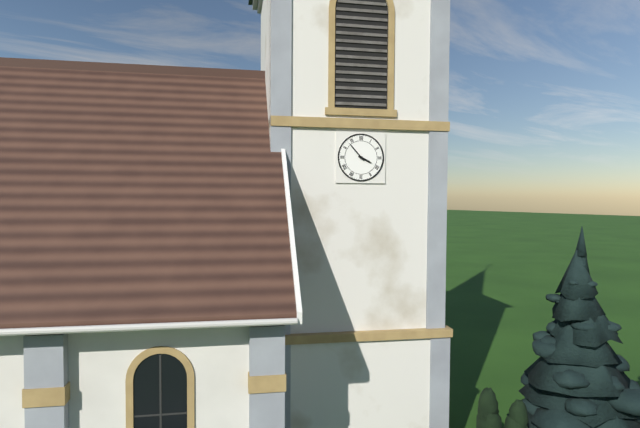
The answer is **3:53**
